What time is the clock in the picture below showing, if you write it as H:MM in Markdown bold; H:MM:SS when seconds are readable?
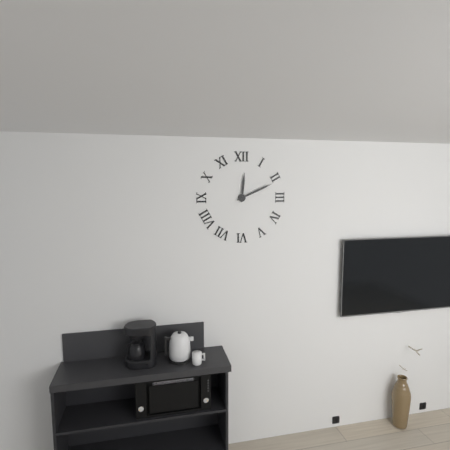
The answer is **12:11**
